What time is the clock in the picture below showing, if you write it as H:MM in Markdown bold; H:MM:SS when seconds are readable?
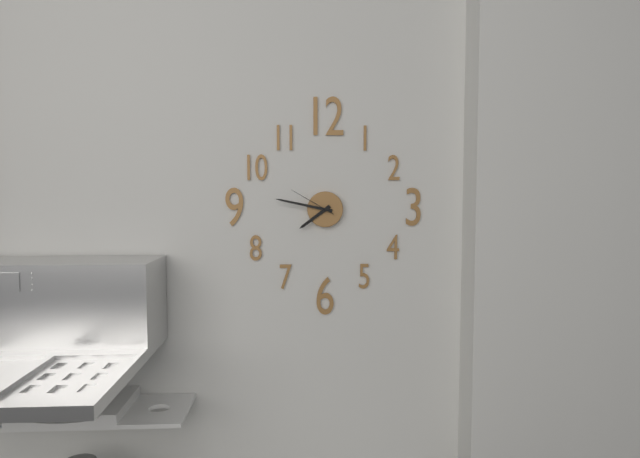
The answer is **7:47:50**
